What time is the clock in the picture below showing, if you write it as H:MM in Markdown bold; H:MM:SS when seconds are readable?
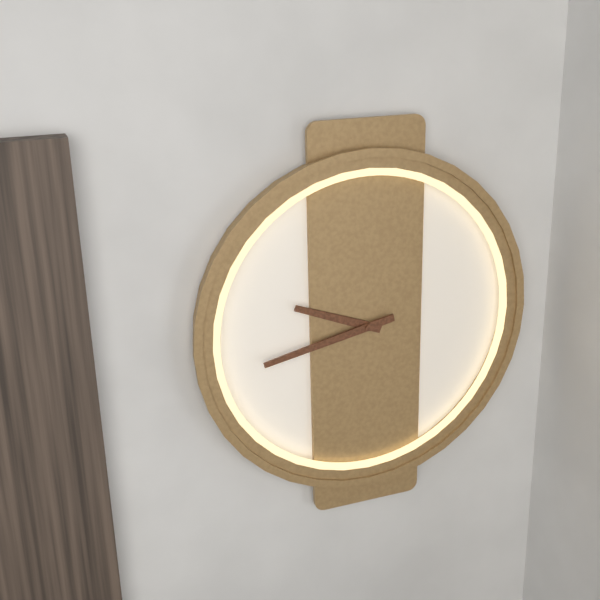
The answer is **9:43**
